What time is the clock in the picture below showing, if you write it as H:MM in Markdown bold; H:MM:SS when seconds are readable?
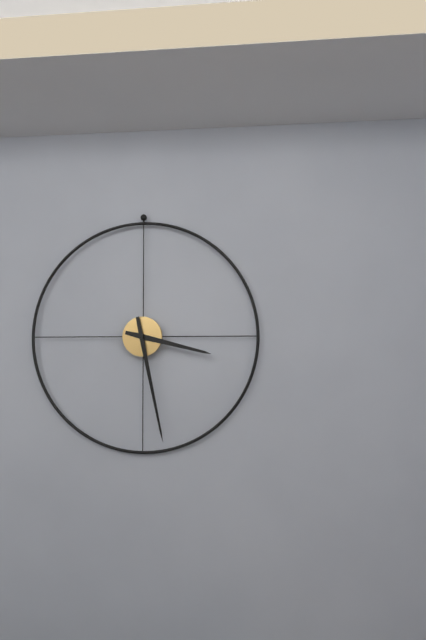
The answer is **3:28**
